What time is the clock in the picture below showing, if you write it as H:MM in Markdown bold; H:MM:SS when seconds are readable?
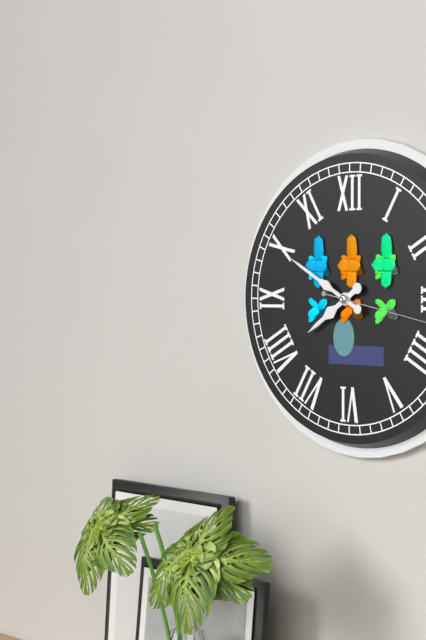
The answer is **7:50**
